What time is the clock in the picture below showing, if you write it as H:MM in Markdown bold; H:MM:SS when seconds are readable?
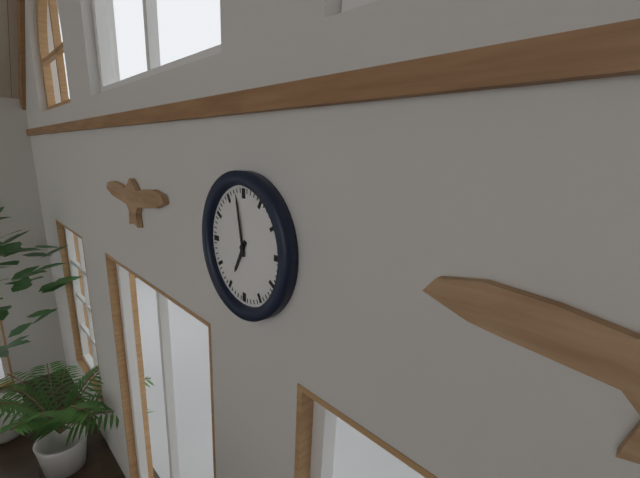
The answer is **6:58**
